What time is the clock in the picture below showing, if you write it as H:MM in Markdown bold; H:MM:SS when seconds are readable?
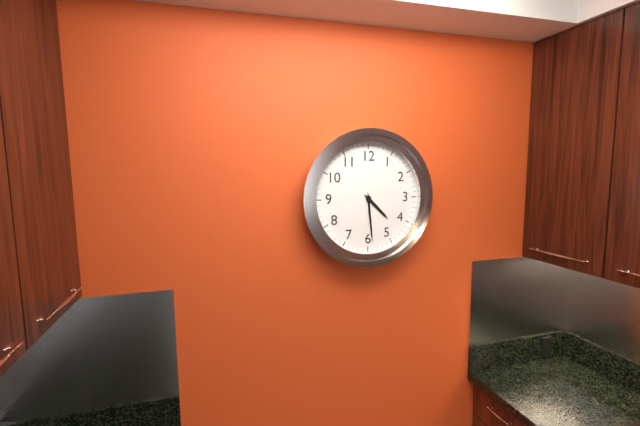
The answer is **4:29**
